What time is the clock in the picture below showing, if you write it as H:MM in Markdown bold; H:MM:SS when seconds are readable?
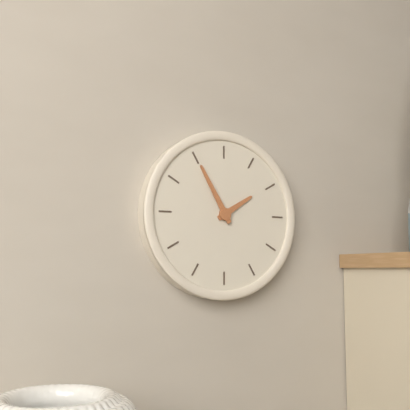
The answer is **1:55**
